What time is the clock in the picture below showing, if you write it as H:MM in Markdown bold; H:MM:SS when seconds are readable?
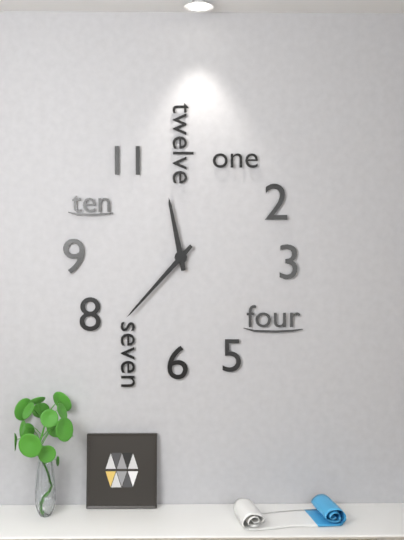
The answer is **11:37**
